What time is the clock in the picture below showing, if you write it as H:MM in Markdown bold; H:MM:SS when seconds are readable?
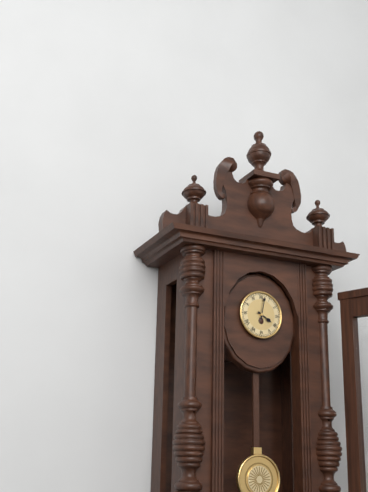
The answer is **4:02**
